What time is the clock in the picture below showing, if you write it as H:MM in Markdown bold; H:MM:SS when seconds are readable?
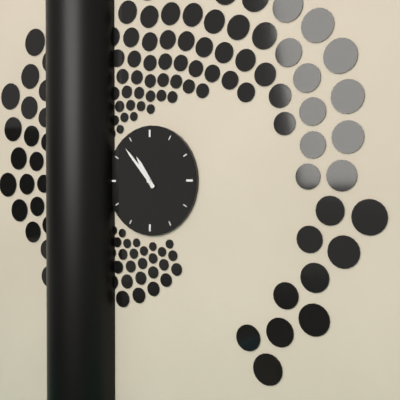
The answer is **10:53**
